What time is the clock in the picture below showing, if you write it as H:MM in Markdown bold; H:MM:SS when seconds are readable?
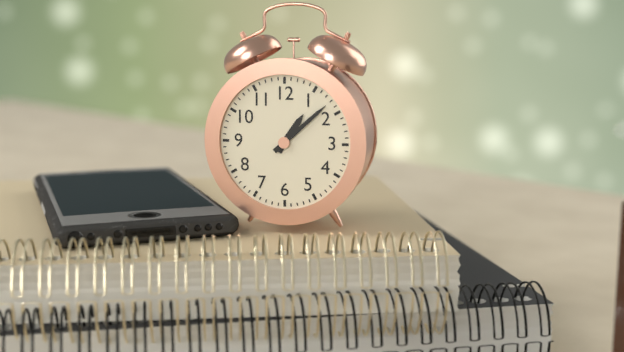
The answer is **1:08**
